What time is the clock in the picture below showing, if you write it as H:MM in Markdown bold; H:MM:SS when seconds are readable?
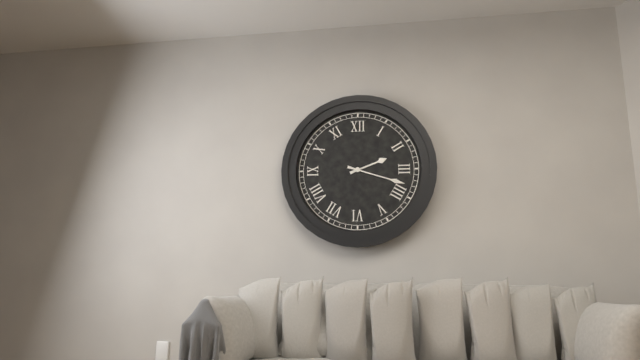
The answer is **2:18**
